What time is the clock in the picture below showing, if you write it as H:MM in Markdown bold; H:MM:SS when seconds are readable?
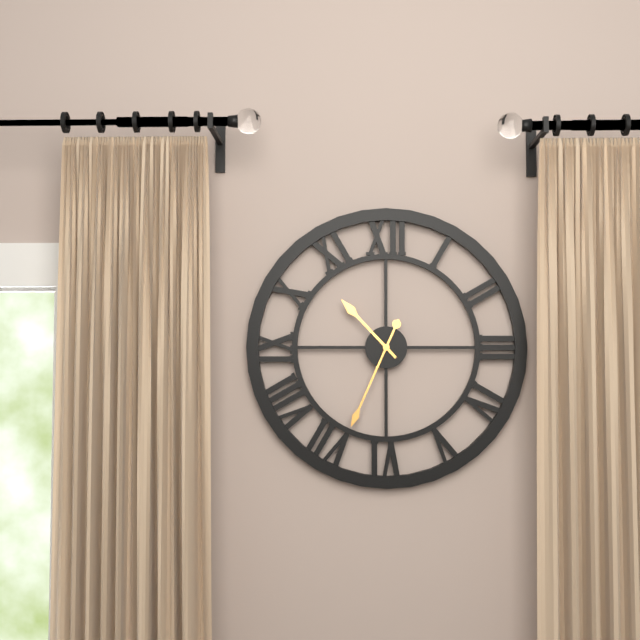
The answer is **10:34**
